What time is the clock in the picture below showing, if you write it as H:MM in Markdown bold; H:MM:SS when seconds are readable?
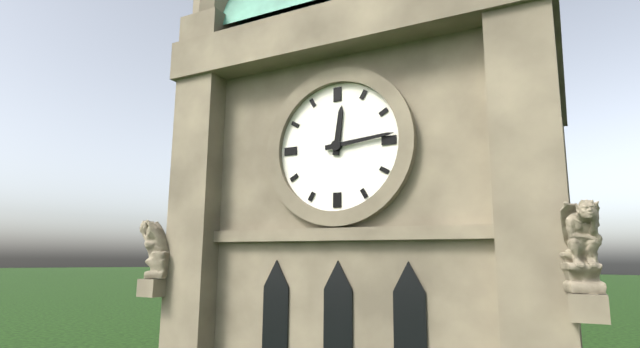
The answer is **12:14**
